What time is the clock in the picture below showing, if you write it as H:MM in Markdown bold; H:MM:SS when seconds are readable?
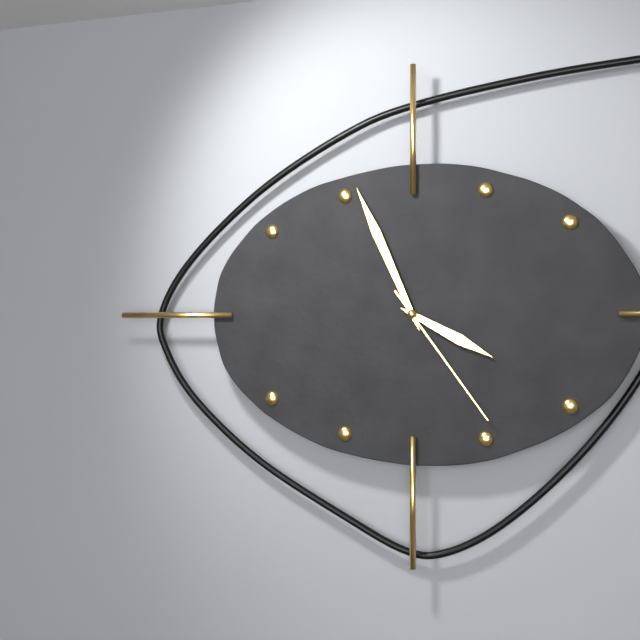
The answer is **3:56:24**
